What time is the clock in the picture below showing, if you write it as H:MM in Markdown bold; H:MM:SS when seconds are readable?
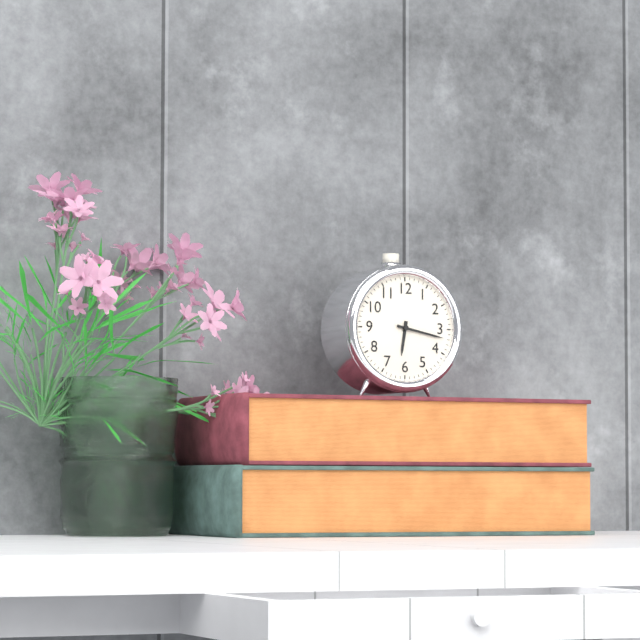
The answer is **6:17**
